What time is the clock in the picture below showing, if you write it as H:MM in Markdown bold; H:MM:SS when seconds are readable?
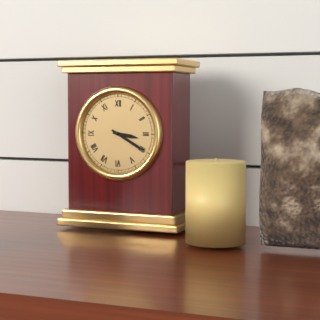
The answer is **3:20**
